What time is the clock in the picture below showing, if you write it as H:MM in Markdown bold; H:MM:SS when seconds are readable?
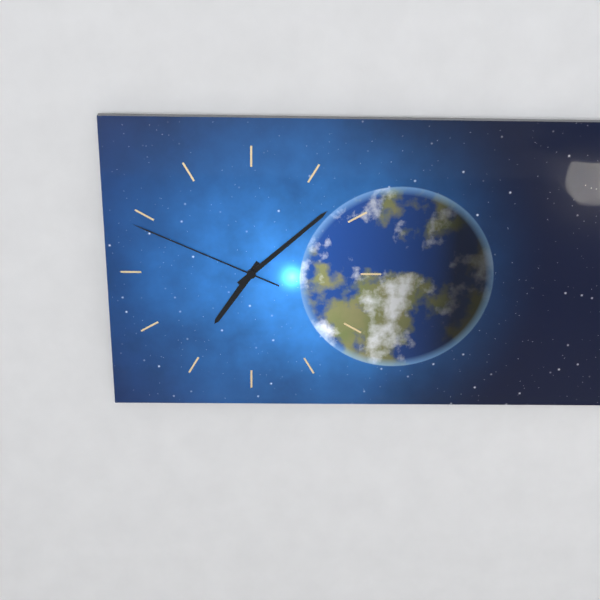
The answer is **7:08:49**
